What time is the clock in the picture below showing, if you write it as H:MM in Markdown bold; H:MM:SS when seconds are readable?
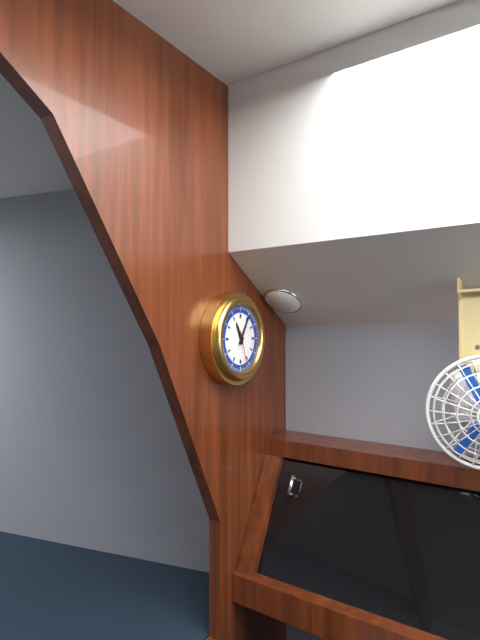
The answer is **11:05**
